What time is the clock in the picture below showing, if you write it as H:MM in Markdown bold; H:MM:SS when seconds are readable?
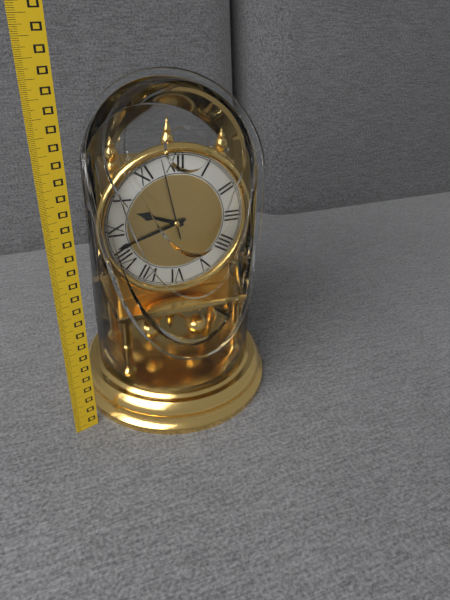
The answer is **9:42:58**
